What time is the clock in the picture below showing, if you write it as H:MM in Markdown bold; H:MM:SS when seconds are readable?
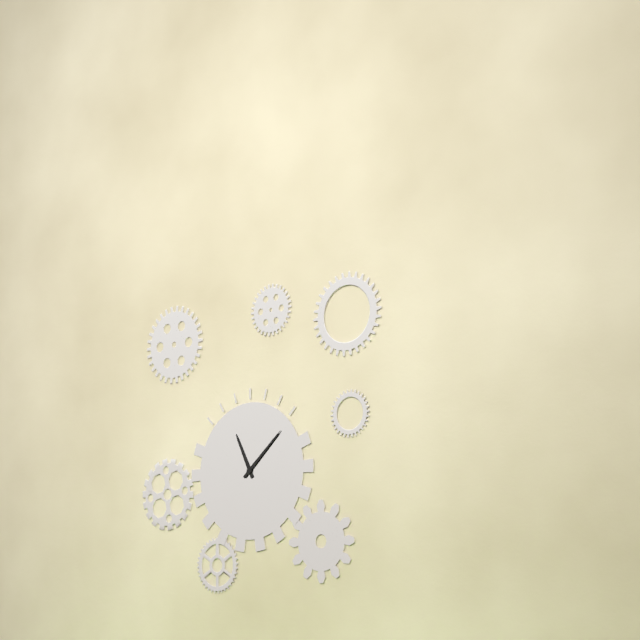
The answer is **11:08**
